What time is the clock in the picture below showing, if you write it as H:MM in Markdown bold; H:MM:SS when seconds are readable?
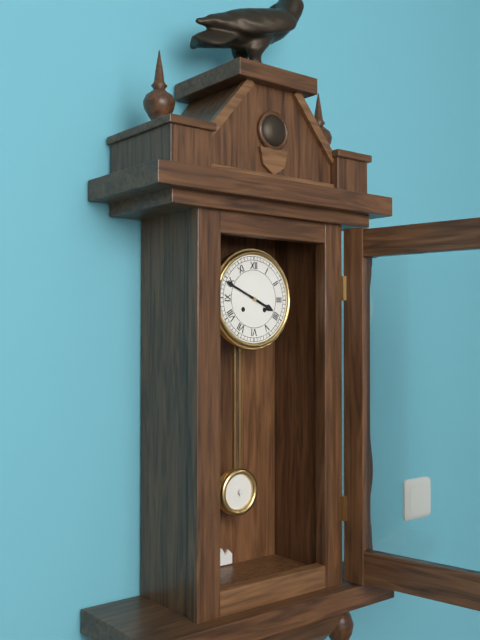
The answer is **3:49**
